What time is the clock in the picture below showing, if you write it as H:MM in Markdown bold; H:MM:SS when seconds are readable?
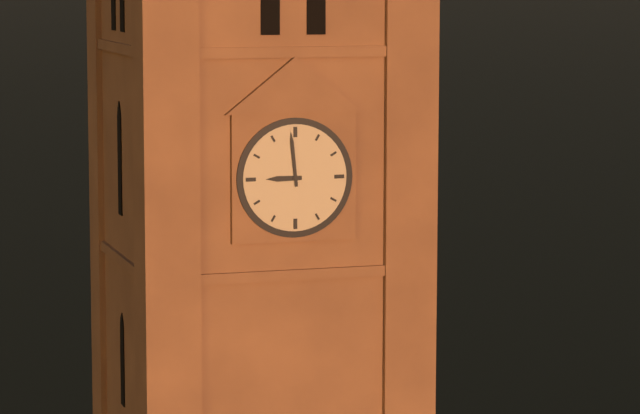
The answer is **8:59**
